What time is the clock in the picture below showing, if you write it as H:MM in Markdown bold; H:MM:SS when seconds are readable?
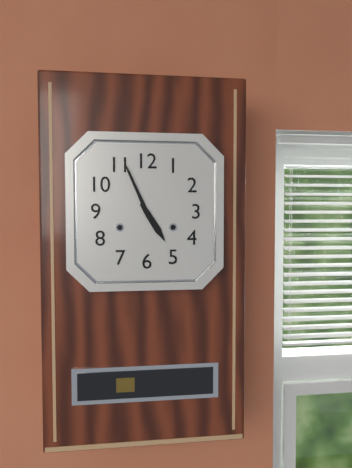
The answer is **4:56**
